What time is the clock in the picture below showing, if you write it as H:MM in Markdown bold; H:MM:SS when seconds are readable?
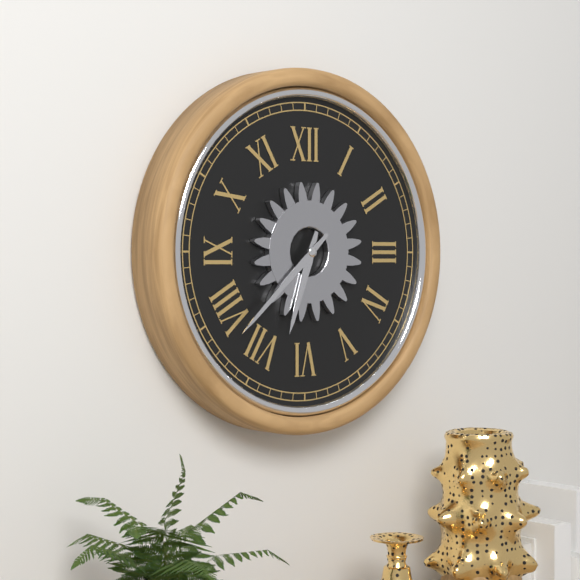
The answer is **6:38**
